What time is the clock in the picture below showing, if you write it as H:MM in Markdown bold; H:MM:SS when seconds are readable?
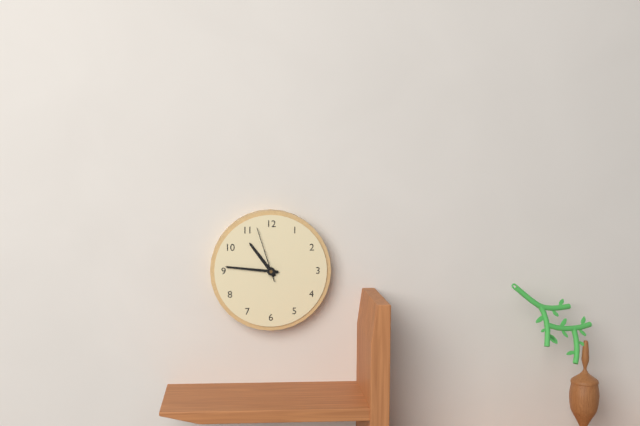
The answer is **10:46:57**
